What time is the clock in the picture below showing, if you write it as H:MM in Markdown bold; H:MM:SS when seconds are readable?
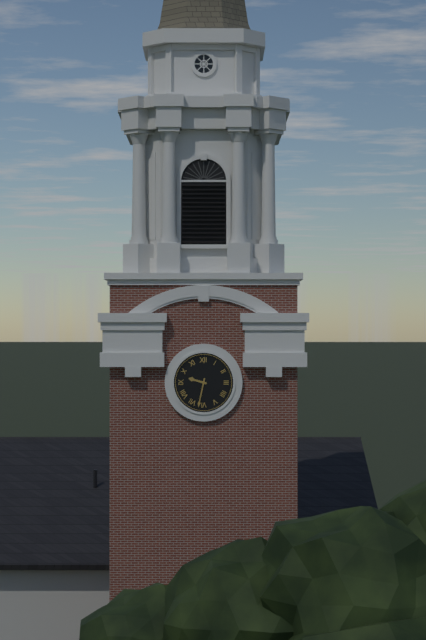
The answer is **9:32**
